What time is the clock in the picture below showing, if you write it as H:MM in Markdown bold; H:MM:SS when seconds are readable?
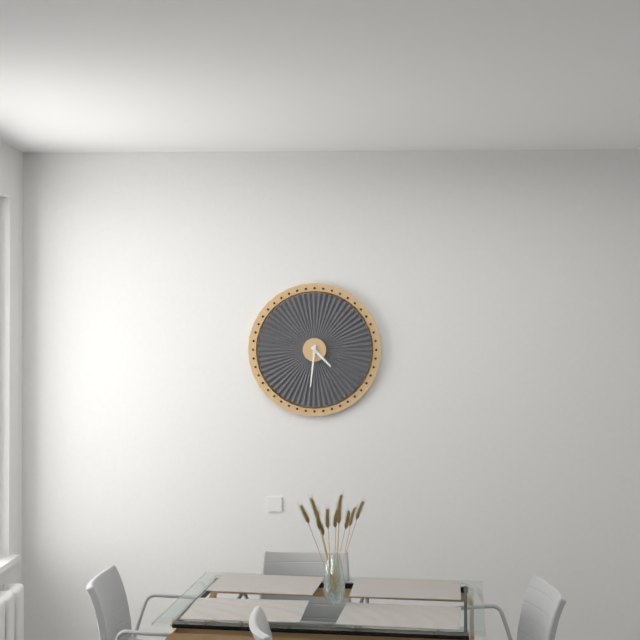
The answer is **4:31**
